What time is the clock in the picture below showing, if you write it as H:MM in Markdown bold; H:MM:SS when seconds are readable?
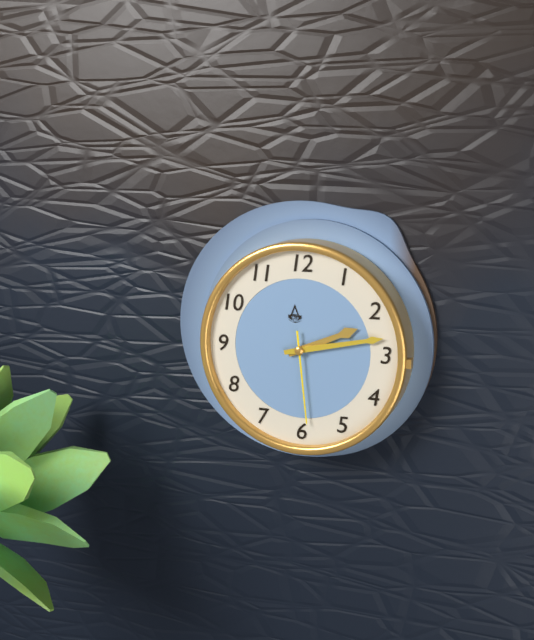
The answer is **2:13:29**
